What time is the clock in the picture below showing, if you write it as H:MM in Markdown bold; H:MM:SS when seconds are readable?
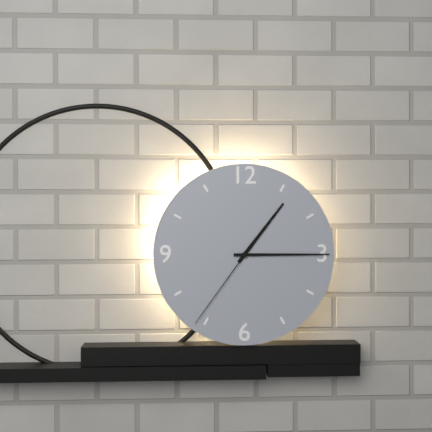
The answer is **1:15:36**
